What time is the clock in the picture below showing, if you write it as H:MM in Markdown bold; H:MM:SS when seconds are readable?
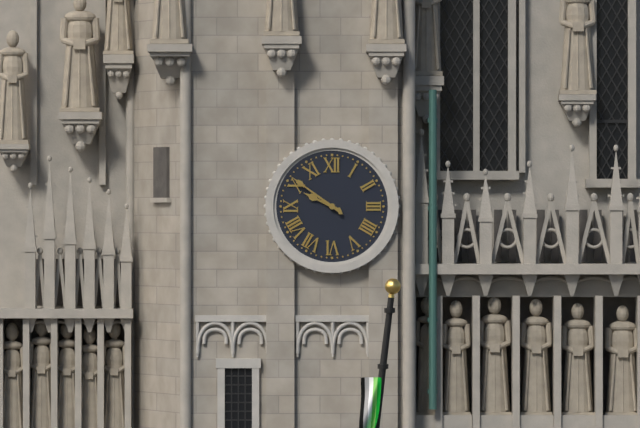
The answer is **9:51**
